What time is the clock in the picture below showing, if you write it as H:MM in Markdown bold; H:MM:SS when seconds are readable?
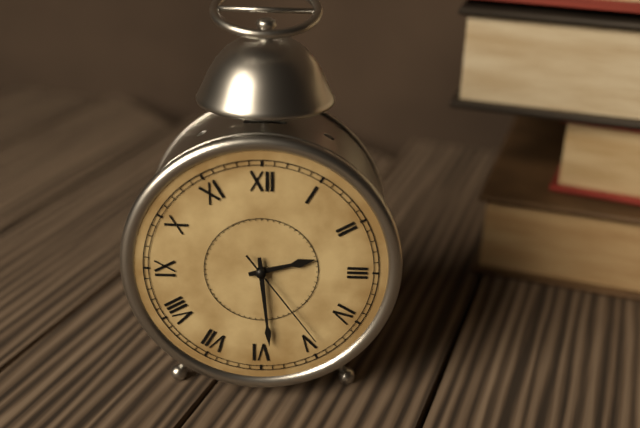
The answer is **2:29:24**
